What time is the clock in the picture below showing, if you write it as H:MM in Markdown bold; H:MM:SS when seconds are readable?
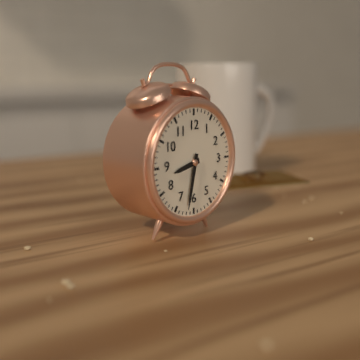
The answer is **8:32**
